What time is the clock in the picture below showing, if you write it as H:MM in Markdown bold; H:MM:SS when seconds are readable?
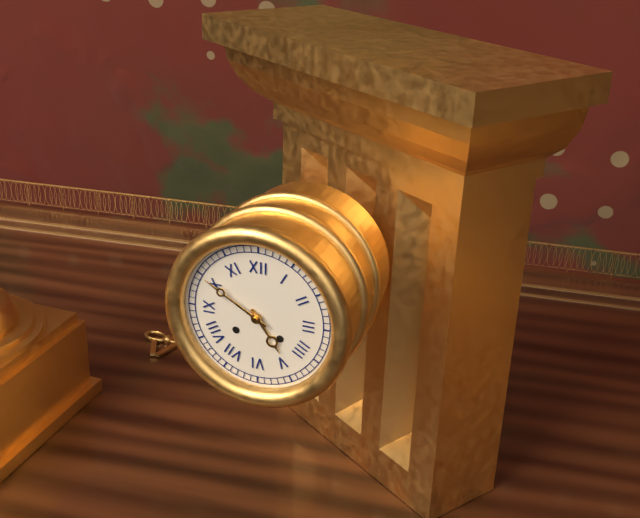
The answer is **4:50**
